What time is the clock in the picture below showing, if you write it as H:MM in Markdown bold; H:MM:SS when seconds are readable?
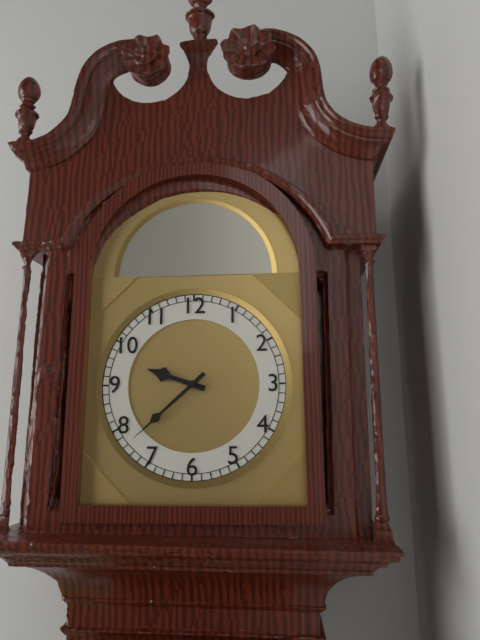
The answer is **9:38**
